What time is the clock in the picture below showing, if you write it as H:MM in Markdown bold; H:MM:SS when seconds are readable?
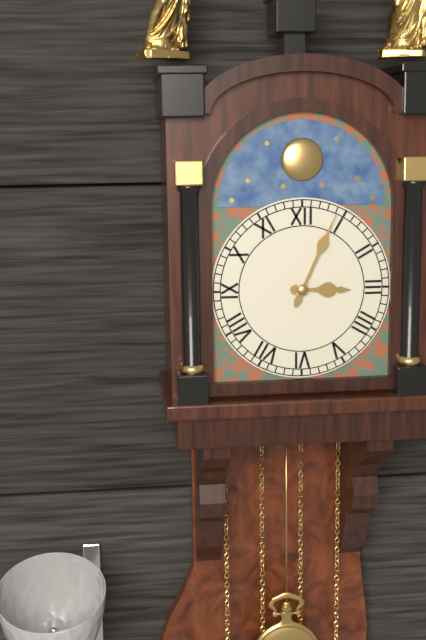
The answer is **3:04**
